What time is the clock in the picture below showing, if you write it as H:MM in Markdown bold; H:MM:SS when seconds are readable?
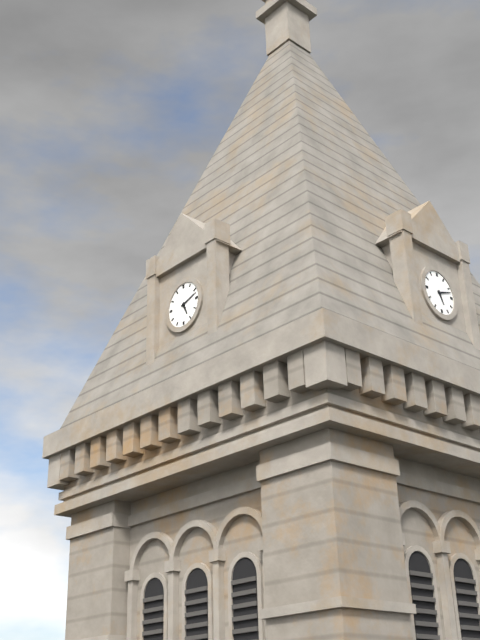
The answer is **5:12**
